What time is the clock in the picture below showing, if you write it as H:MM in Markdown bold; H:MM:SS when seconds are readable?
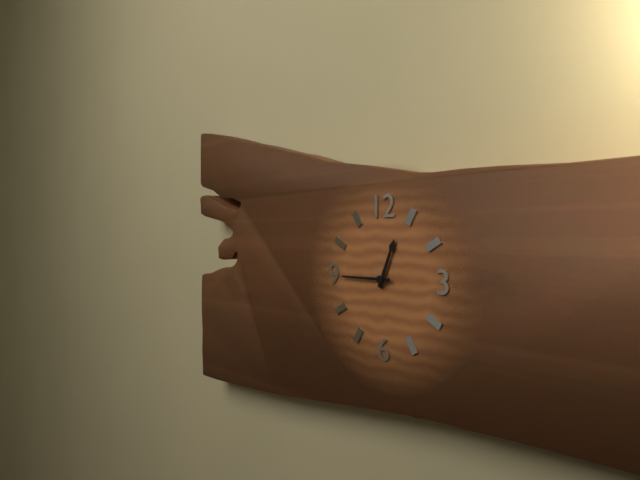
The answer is **12:45**
